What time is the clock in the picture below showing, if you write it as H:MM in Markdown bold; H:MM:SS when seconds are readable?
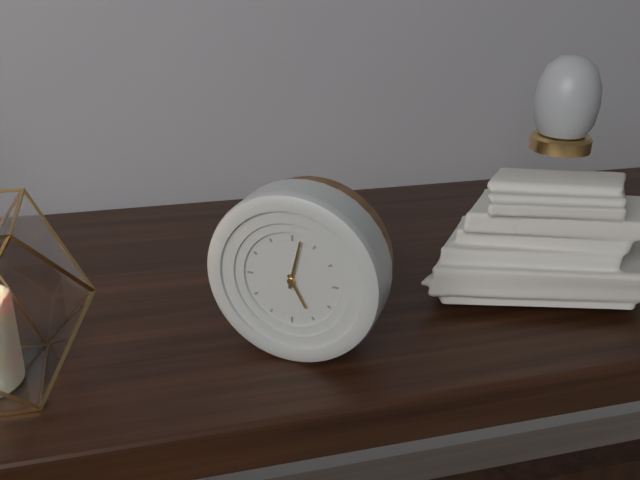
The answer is **5:02**
